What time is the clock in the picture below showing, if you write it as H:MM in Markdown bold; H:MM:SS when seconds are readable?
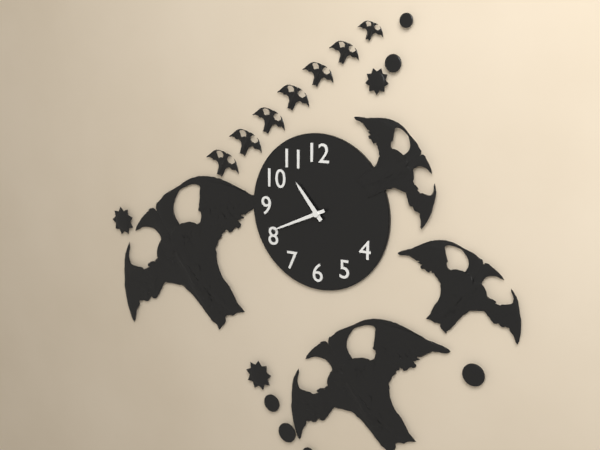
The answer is **10:41**
